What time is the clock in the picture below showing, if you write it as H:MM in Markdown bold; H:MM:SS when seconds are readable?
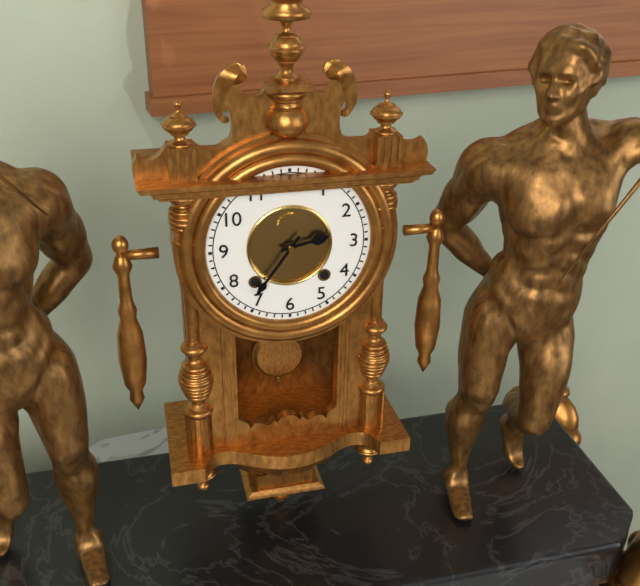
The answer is **2:36**
